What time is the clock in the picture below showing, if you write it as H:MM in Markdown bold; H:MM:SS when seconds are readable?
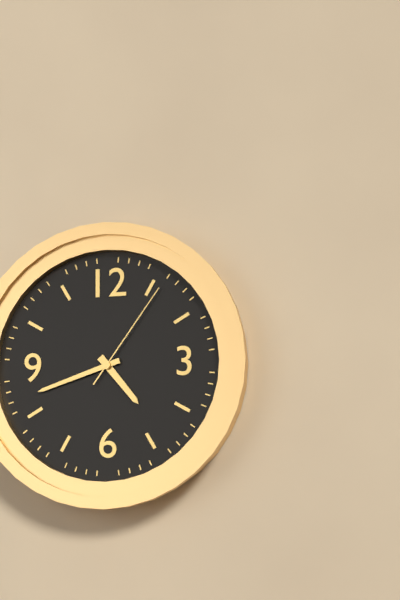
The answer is **4:42:06**
